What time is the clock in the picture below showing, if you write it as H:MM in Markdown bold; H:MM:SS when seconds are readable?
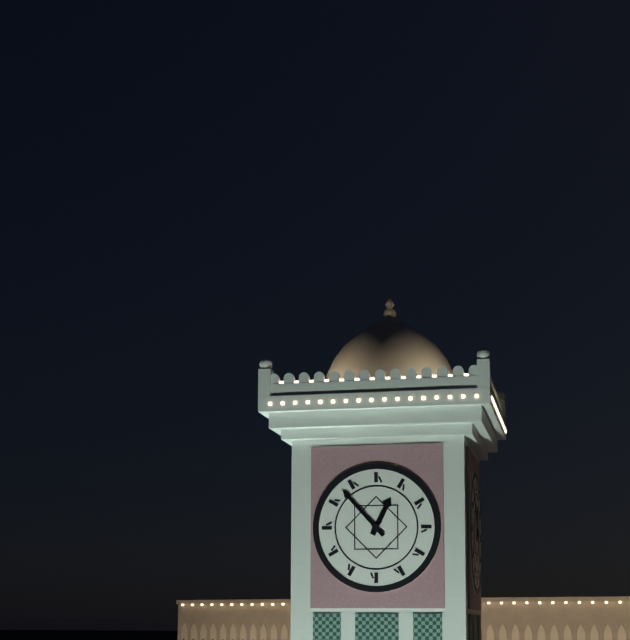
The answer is **12:53**
